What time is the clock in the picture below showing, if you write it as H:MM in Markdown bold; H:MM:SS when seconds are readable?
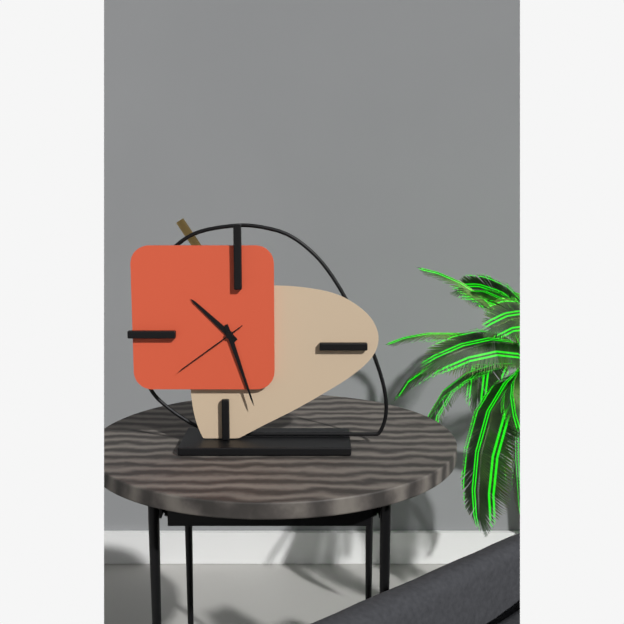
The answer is **10:27:39**
